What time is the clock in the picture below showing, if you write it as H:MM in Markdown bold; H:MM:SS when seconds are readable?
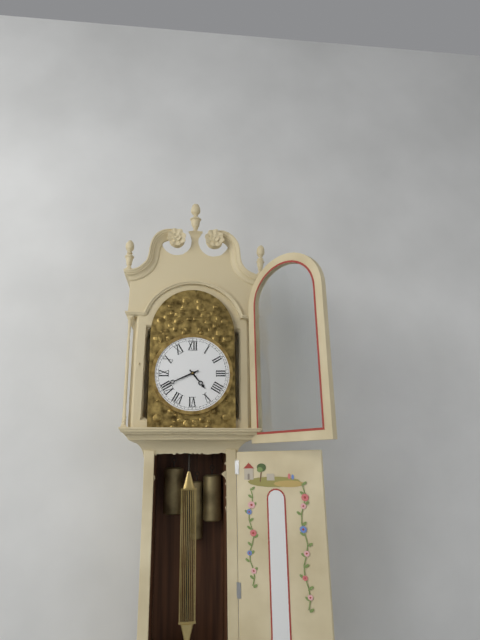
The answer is **4:41**
